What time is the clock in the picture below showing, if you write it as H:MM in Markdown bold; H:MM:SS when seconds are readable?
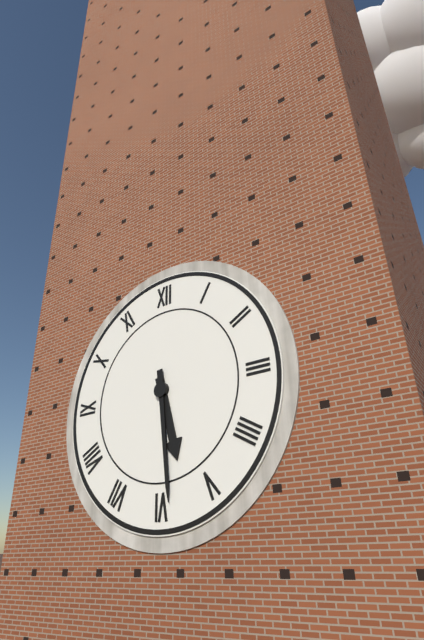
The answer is **5:29**
